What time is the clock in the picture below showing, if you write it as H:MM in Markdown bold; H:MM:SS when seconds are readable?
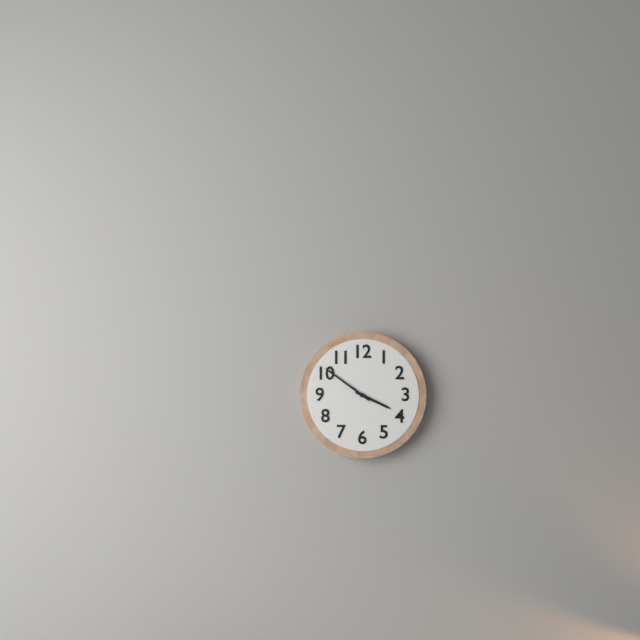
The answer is **3:51**
